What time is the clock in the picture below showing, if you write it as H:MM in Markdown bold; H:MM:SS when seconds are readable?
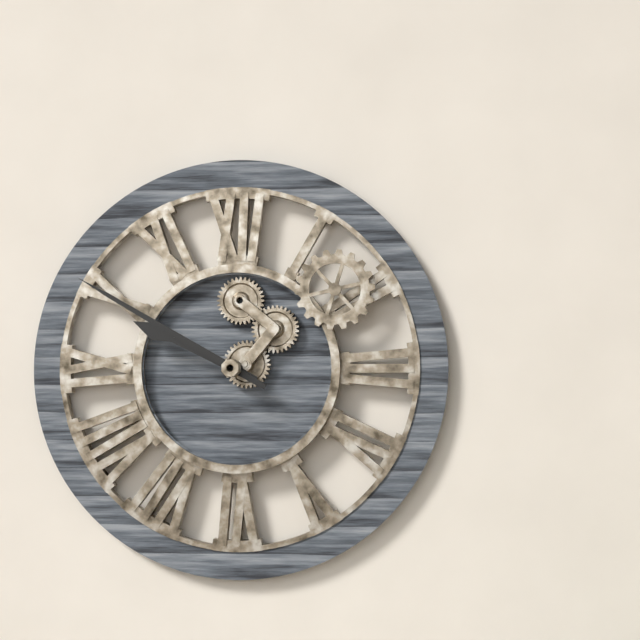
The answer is **9:50**
